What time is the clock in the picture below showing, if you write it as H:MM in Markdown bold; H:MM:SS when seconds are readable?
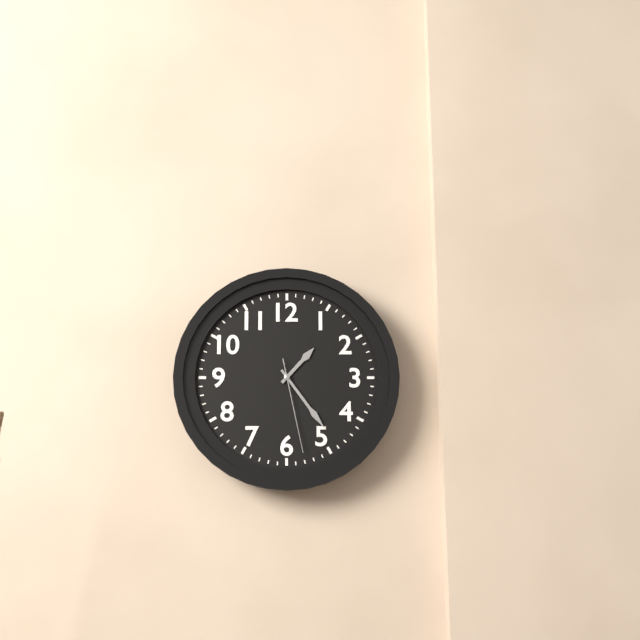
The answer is **1:24:28**
